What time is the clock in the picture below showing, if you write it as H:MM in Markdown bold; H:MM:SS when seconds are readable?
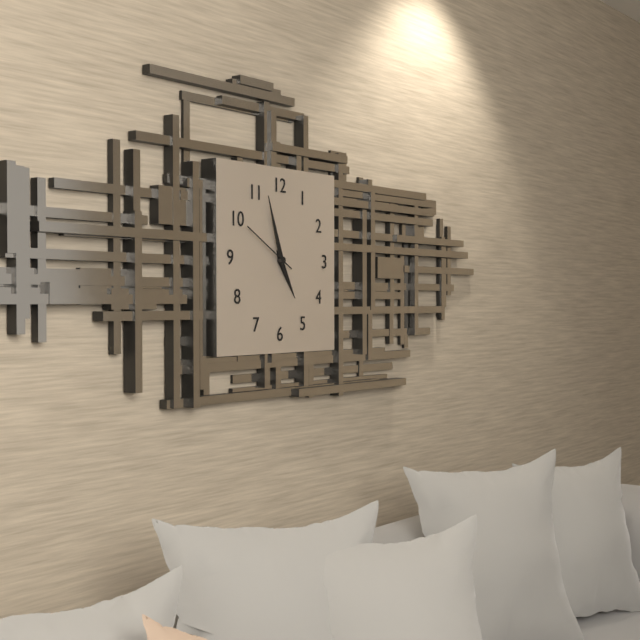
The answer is **4:57:50**
